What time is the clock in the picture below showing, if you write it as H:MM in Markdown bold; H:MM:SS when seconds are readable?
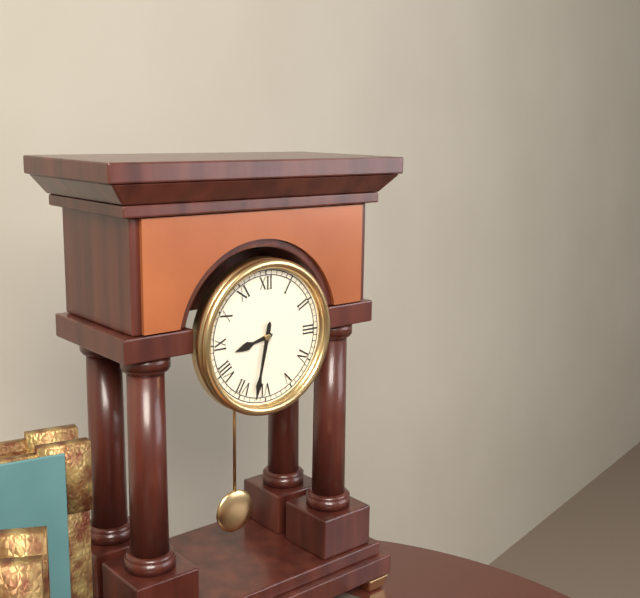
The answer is **8:32**
